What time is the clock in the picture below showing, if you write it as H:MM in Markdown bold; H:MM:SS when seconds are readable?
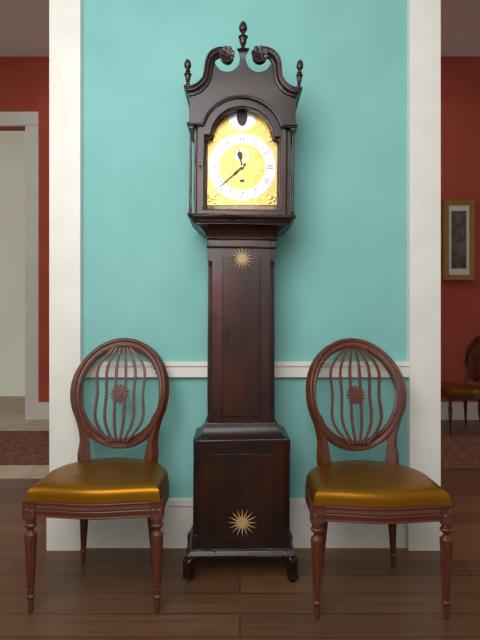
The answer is **11:38**
